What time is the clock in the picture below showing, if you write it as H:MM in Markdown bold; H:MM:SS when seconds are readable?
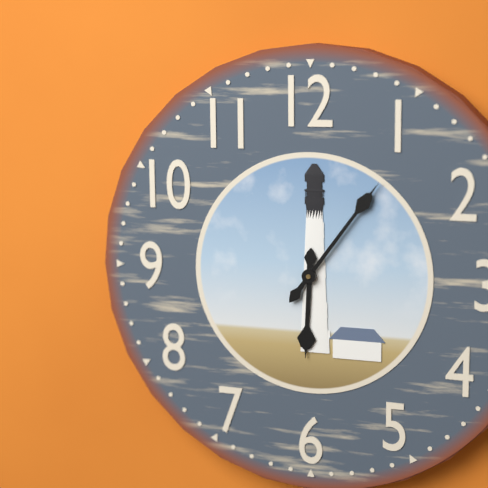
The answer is **6:06**
